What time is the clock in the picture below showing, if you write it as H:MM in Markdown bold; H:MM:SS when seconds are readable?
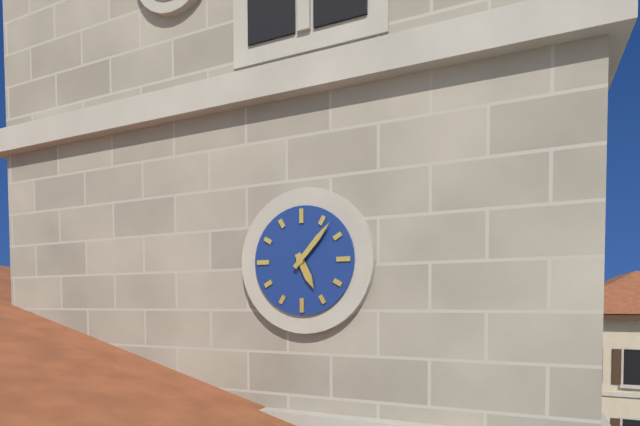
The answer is **5:07**
